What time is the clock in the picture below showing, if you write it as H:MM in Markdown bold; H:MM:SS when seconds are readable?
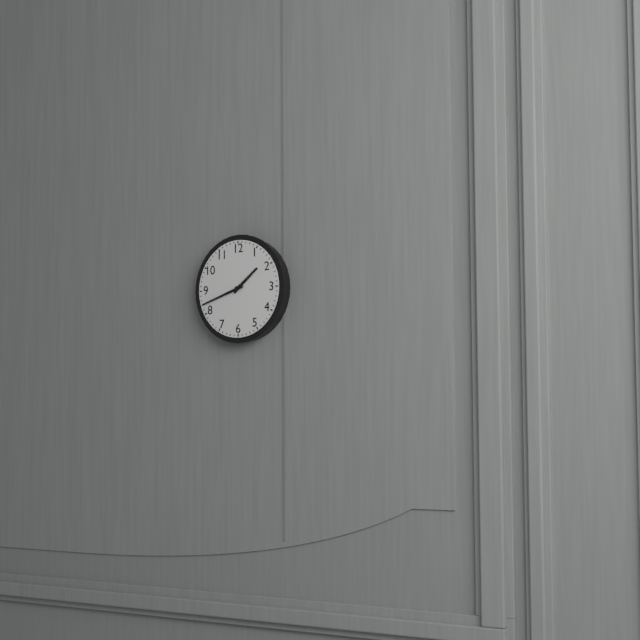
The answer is **1:42**
